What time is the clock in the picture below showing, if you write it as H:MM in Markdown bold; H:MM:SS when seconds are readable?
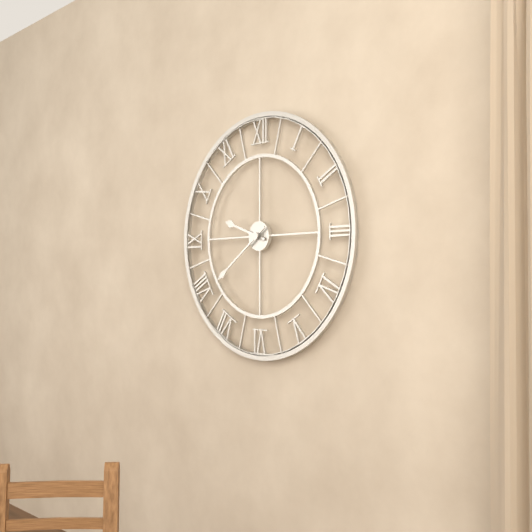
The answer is **9:39**
